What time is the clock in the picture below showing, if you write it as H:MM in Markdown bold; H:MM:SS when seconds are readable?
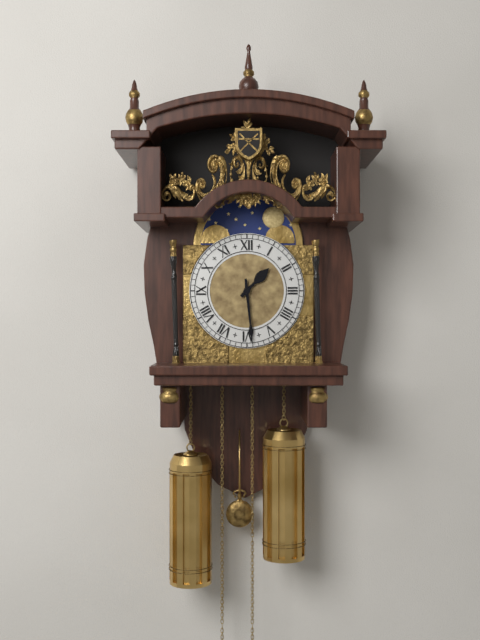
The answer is **1:29**
